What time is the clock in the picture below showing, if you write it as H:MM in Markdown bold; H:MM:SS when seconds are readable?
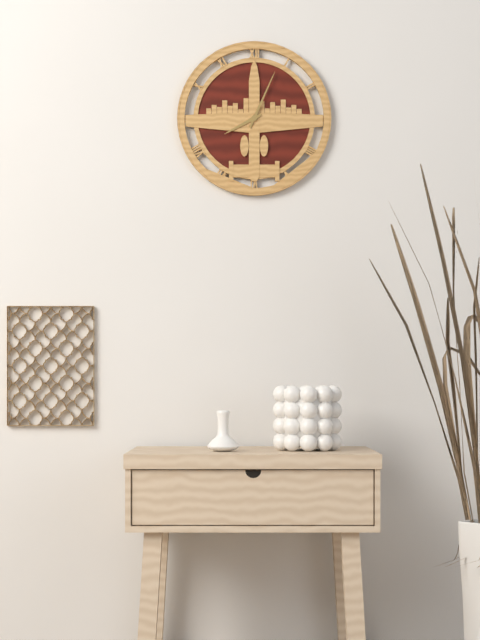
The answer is **8:04**
